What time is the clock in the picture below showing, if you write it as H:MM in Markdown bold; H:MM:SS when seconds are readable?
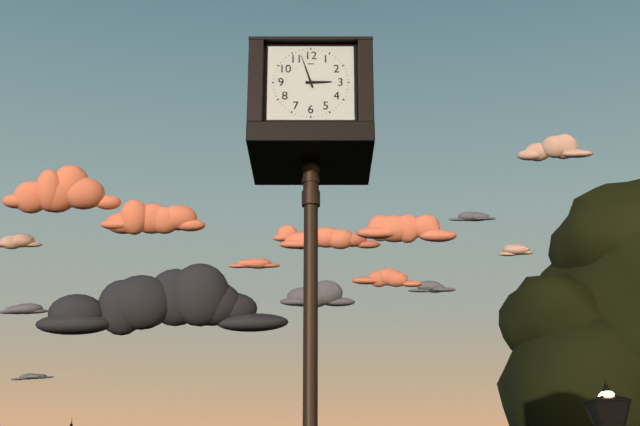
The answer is **2:57**
